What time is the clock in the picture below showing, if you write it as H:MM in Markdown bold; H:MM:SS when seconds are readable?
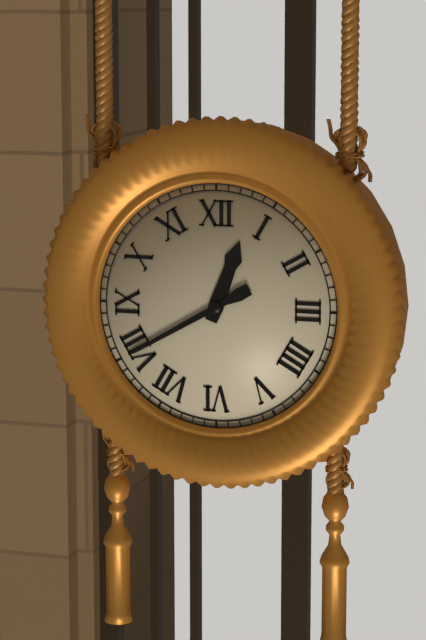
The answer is **12:40**
